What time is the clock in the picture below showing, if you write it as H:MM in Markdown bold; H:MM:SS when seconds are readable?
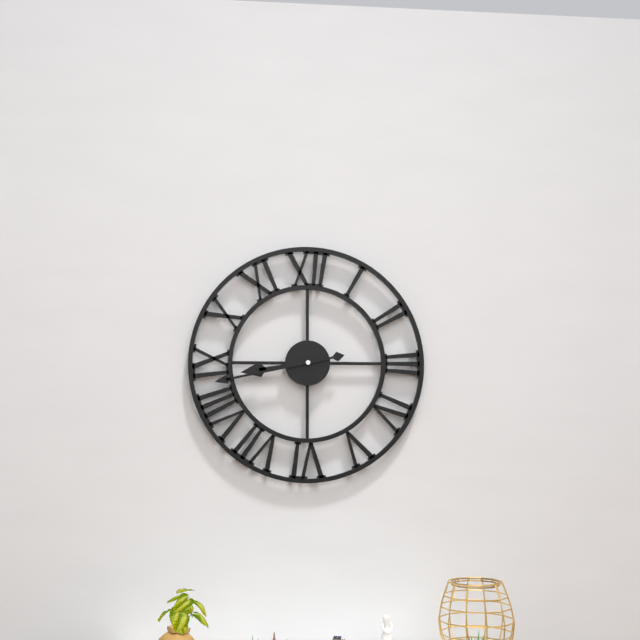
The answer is **8:43**
